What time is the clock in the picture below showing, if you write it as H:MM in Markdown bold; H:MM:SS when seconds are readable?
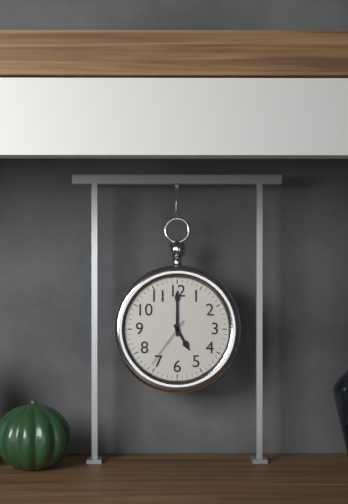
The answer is **5:00:36**
